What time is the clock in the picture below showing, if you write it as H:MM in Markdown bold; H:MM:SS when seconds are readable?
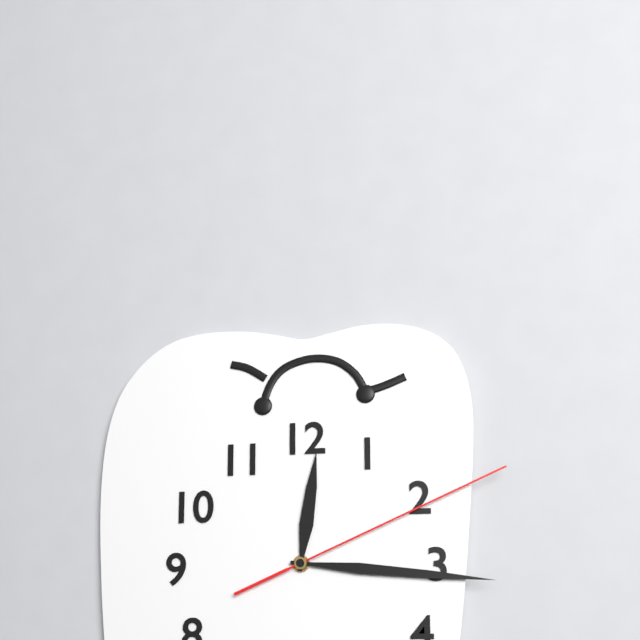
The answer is **12:16:11**
